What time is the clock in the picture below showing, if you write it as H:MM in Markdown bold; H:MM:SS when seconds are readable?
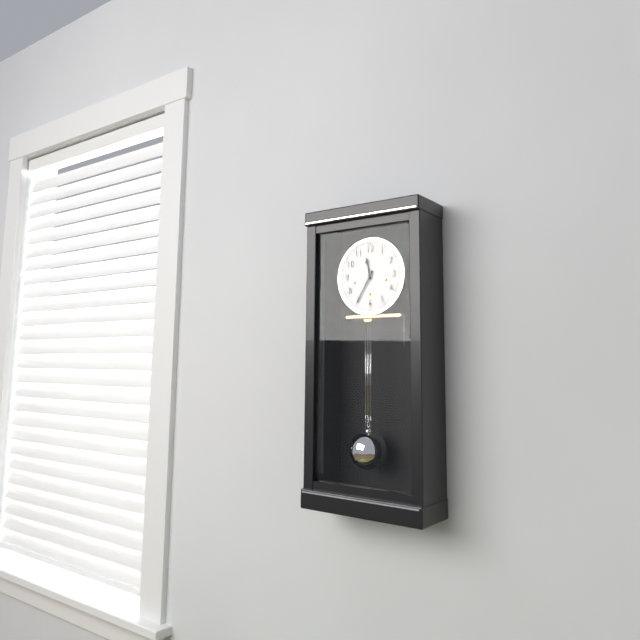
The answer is **11:35**
